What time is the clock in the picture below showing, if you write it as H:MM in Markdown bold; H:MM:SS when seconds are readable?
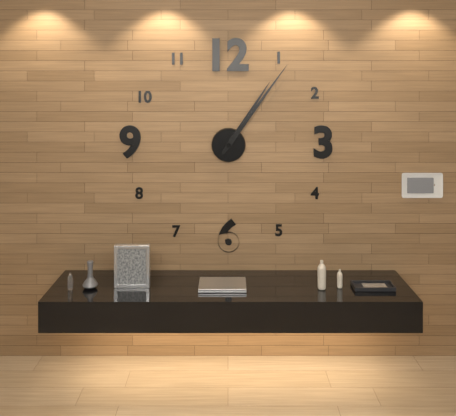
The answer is **1:06**
